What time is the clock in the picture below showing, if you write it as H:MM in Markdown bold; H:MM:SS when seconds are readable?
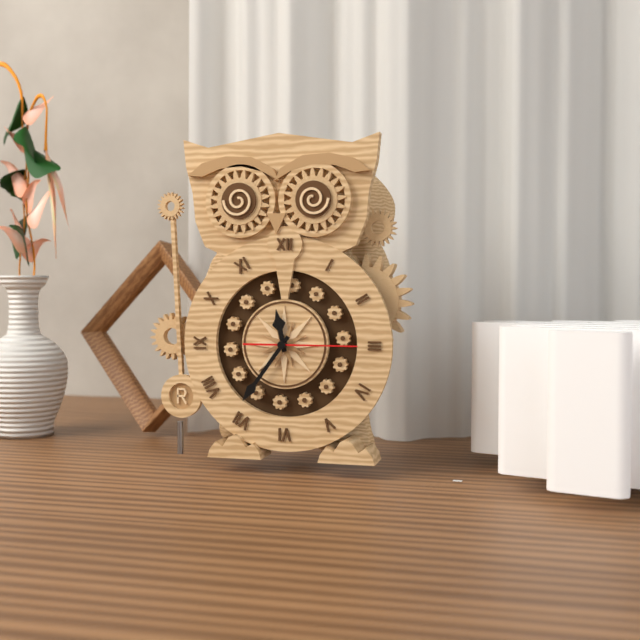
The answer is **11:36:15**
